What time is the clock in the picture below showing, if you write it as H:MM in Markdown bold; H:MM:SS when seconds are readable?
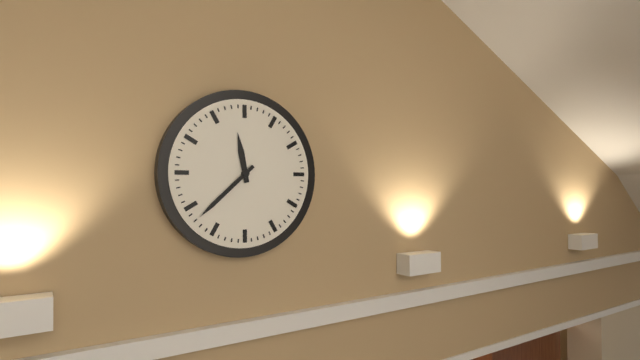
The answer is **11:38**
